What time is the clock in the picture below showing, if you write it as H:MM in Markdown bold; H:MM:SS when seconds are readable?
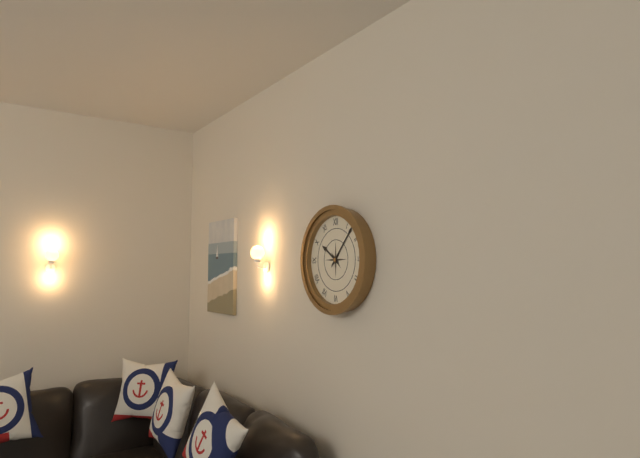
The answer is **10:07**
